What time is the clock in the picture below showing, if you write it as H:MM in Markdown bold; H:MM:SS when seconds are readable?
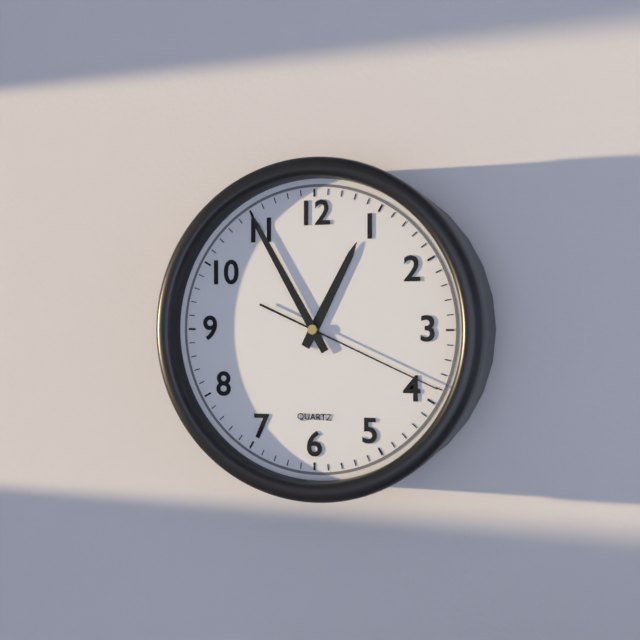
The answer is **12:55:19**
